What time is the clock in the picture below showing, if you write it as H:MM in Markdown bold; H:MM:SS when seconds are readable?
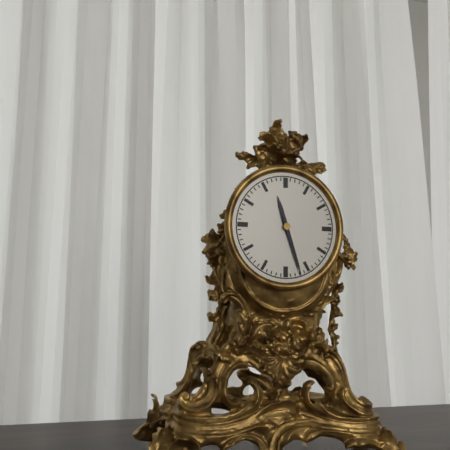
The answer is **11:27**
